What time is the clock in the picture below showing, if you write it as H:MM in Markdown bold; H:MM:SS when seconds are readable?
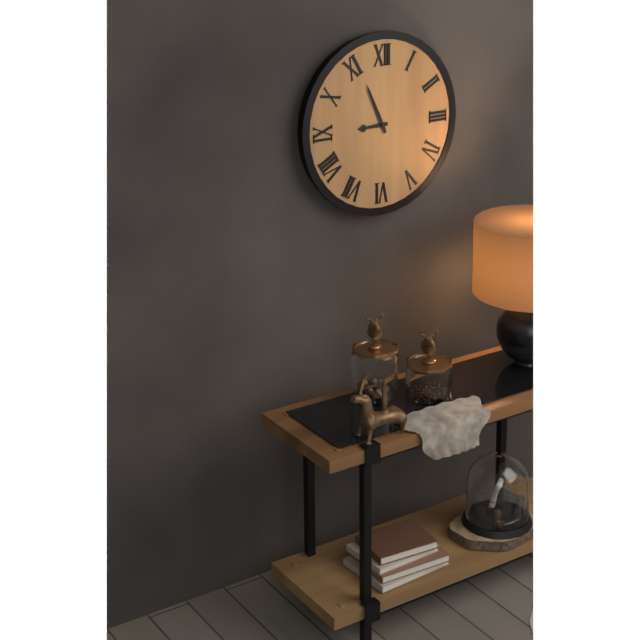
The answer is **8:56**
